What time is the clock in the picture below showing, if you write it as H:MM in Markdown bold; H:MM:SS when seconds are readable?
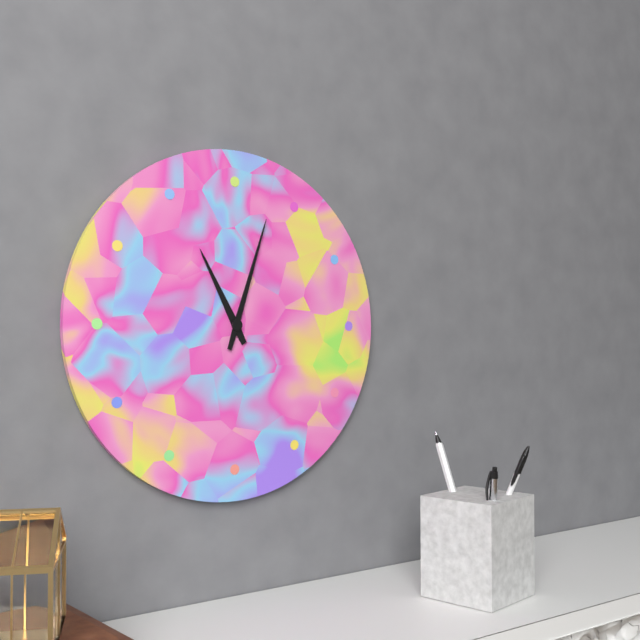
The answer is **11:03**
